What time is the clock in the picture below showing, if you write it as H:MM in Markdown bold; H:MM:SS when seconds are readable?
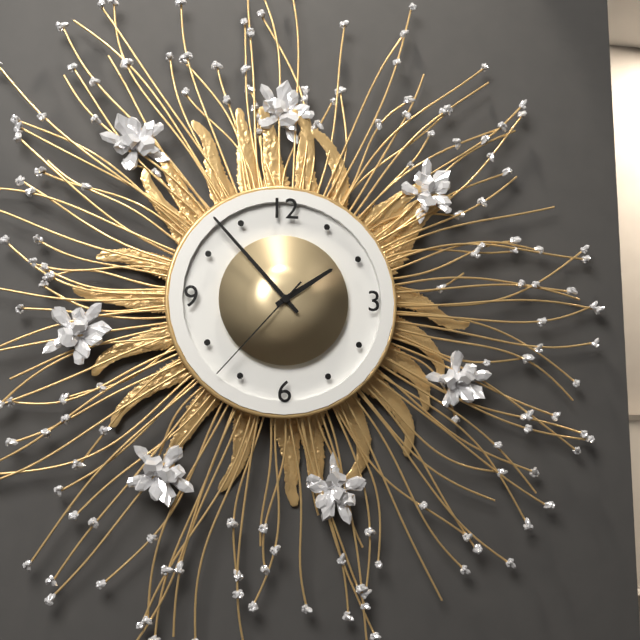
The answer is **1:53:37**
